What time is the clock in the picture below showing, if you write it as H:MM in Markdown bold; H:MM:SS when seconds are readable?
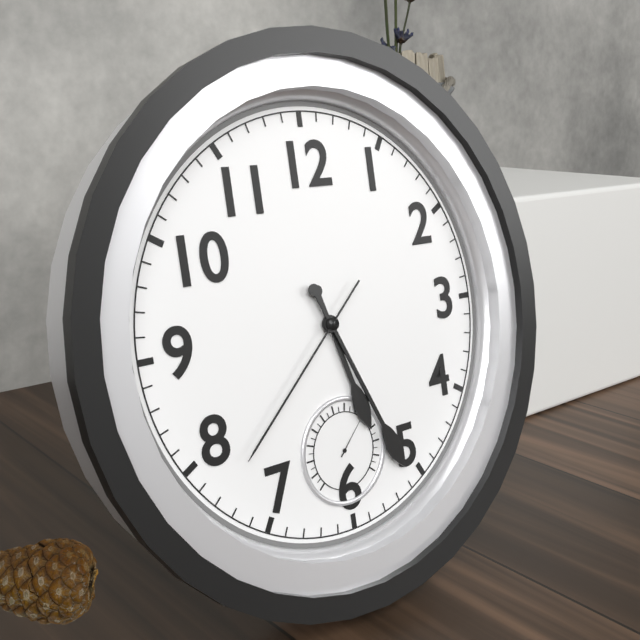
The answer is **5:26:38**
